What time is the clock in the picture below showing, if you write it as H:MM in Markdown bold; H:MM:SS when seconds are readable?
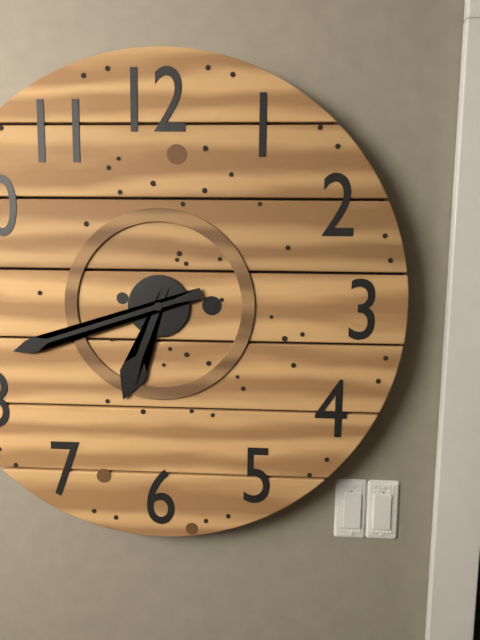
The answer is **6:42**
